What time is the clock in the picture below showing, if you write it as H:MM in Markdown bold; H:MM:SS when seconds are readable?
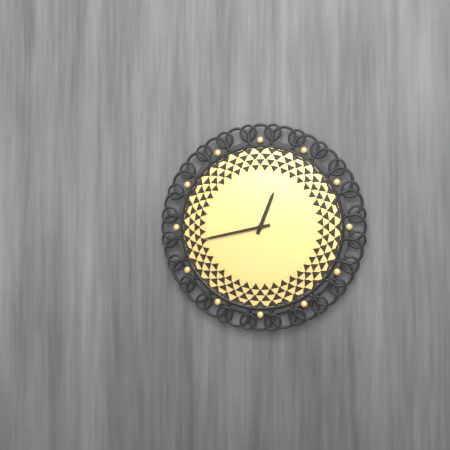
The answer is **12:43**
